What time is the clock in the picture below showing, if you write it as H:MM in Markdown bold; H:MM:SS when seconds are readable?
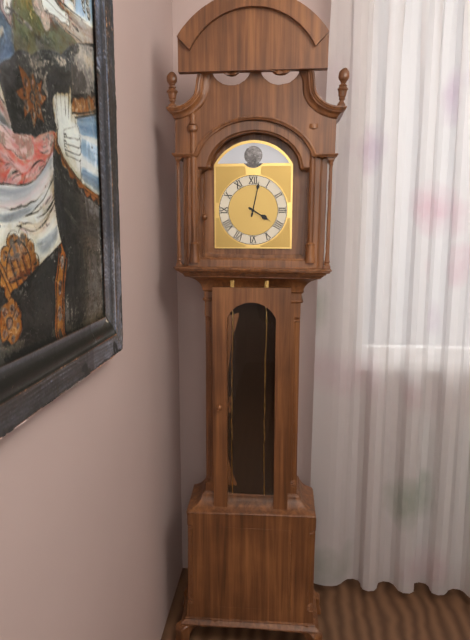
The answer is **4:02**
